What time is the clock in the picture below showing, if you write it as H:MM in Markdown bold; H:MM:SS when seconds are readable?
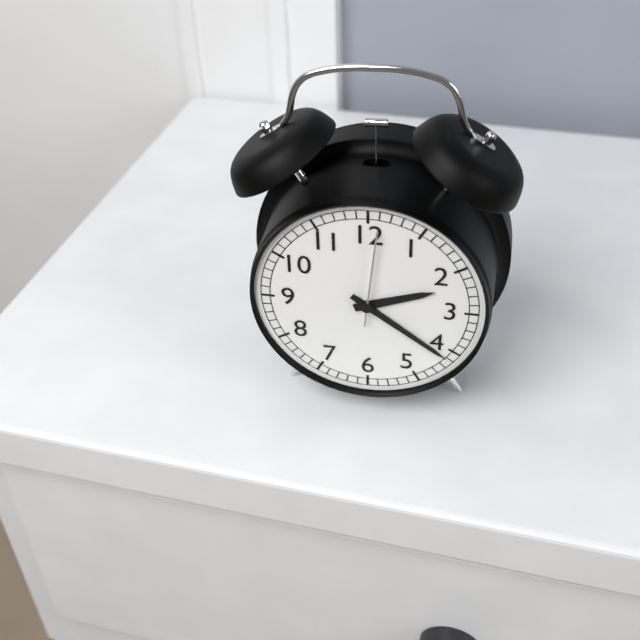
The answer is **2:21:01**
